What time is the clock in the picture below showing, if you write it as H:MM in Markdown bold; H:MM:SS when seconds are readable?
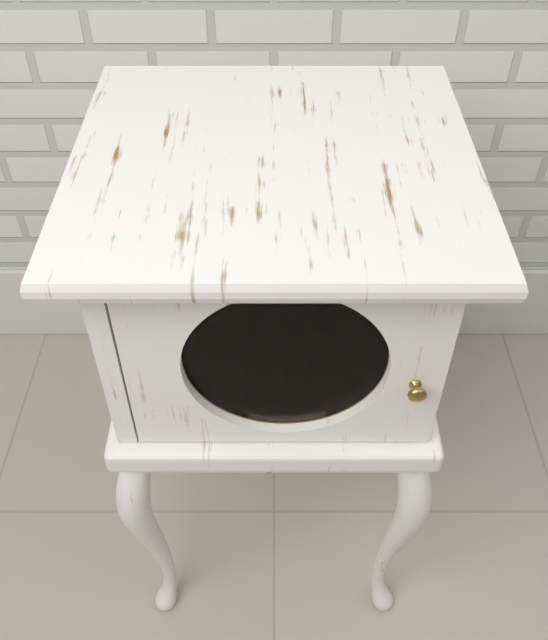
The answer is **2:04:34**
